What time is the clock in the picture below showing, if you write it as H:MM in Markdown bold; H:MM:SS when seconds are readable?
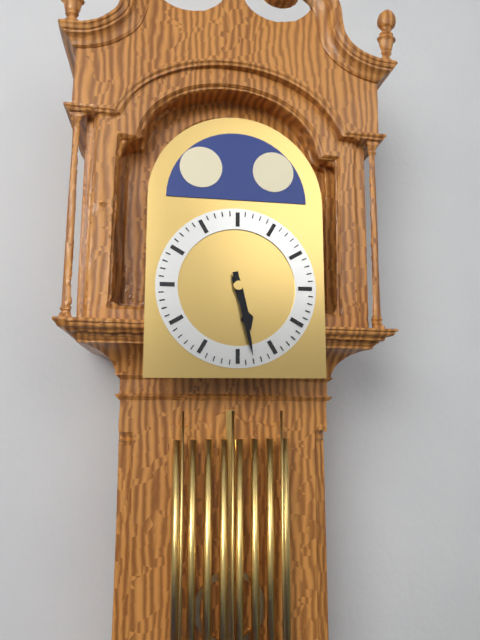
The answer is **5:28**
